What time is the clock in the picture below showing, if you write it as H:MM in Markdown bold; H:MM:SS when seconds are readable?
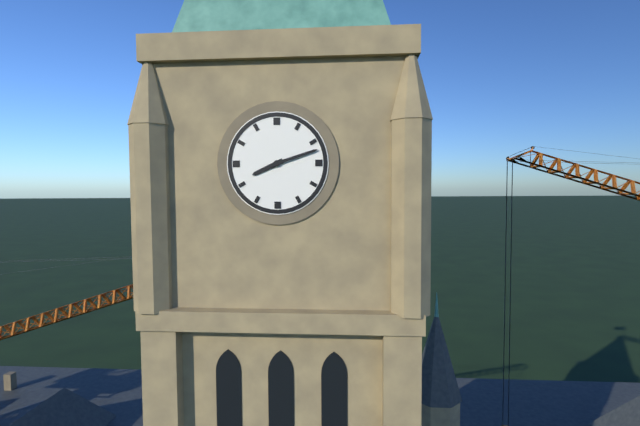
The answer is **8:12**
